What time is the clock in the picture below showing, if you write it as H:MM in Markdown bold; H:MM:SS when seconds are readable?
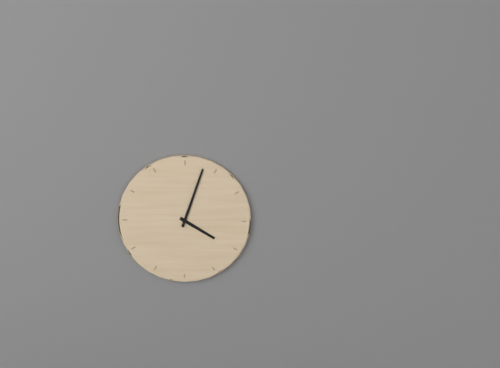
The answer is **4:03**
